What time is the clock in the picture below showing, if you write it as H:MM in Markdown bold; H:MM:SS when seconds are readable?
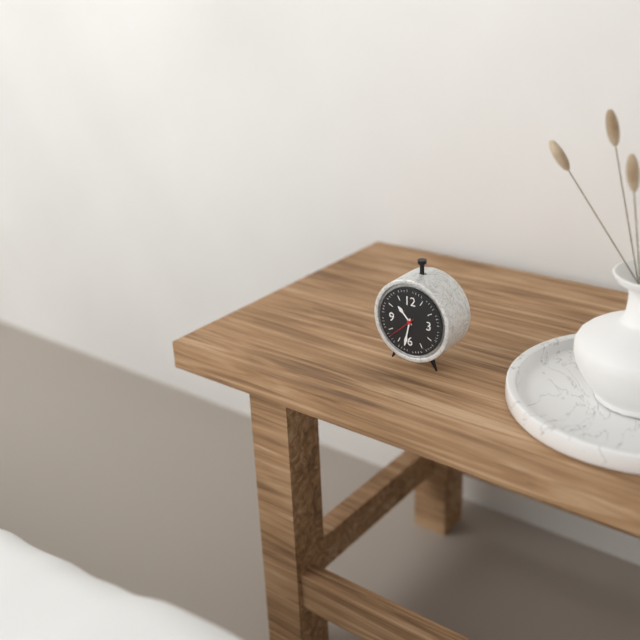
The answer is **10:32**
